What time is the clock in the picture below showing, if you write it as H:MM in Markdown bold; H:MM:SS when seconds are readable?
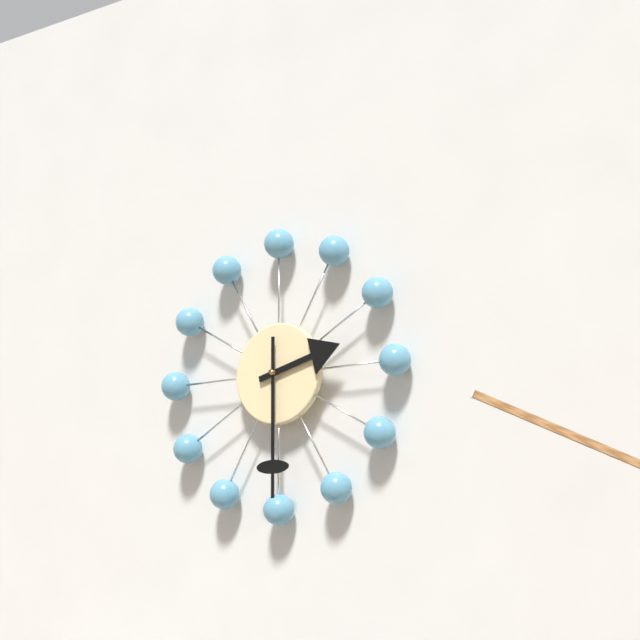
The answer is **2:30**
